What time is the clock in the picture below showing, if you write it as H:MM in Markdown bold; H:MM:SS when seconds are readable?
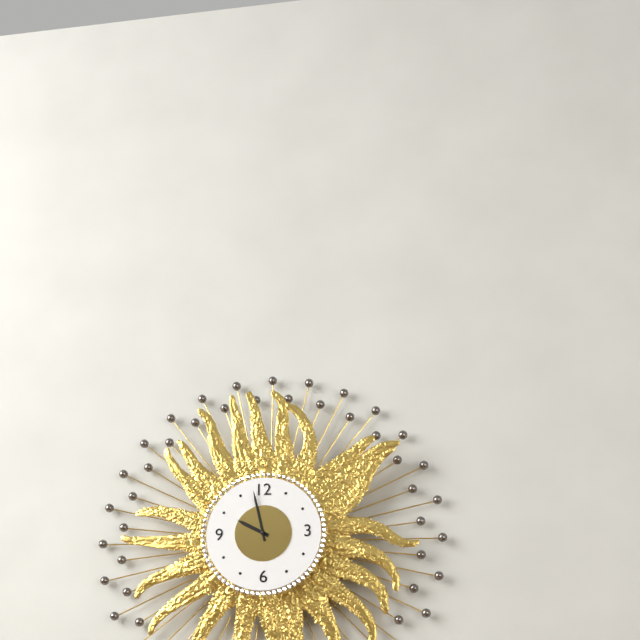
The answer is **9:58**
